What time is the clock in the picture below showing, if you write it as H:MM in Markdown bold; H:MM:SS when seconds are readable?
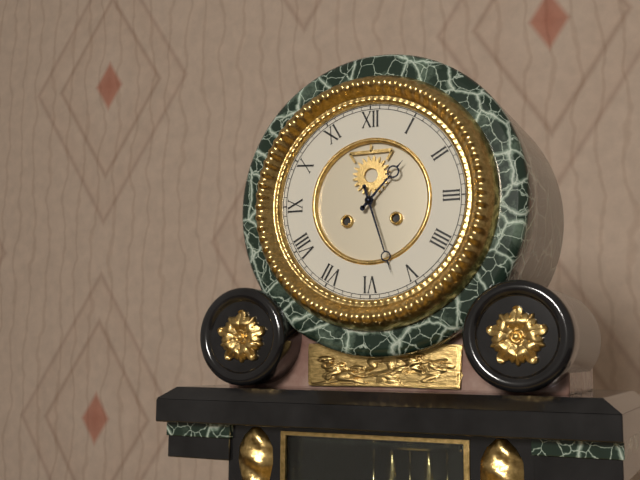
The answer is **1:27**
